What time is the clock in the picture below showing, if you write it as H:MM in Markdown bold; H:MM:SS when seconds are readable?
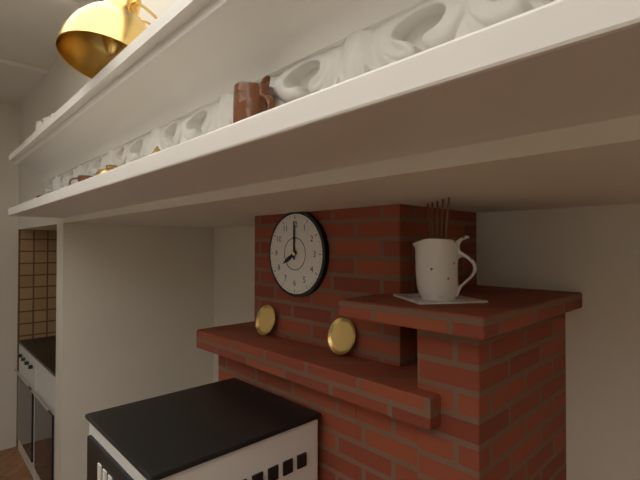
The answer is **8:00**
